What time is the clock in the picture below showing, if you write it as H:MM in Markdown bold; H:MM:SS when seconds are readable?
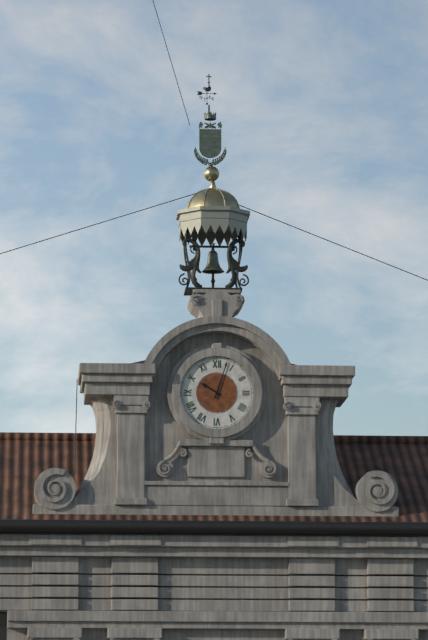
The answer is **10:03**
